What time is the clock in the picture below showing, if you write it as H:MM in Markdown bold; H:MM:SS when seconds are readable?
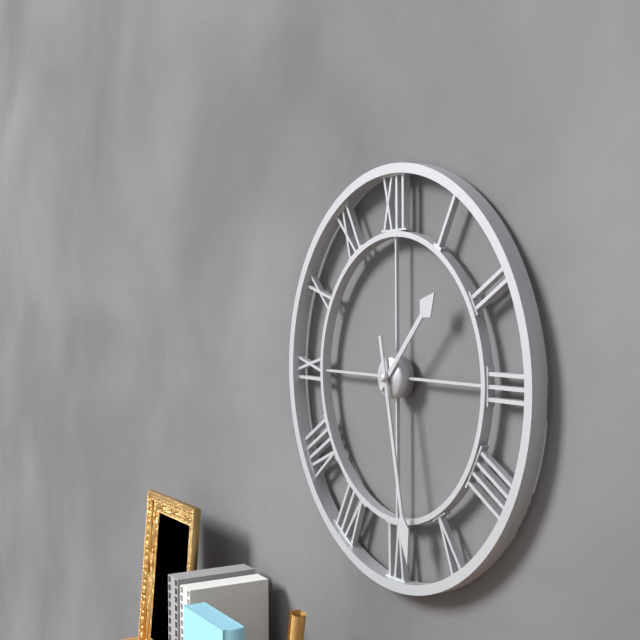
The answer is **1:28**
